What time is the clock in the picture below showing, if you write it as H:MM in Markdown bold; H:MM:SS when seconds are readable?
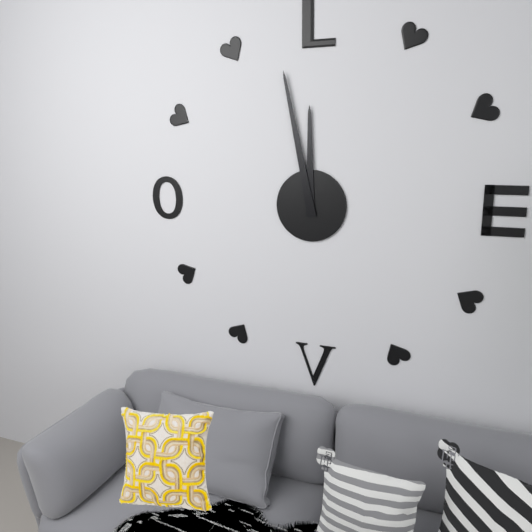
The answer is **11:58**
